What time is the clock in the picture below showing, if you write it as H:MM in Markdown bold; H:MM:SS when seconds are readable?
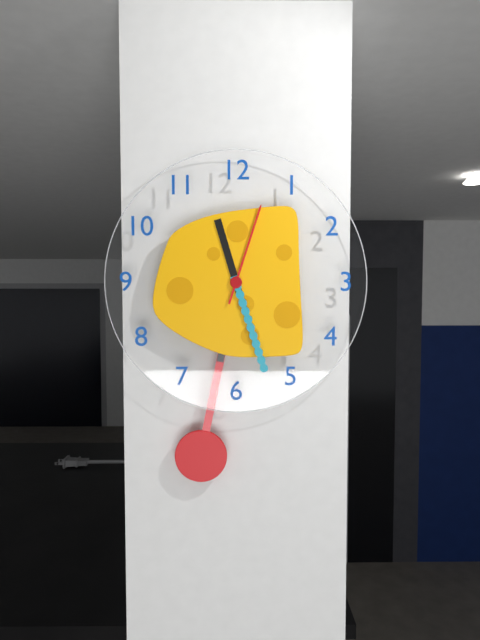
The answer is **11:27:03**
